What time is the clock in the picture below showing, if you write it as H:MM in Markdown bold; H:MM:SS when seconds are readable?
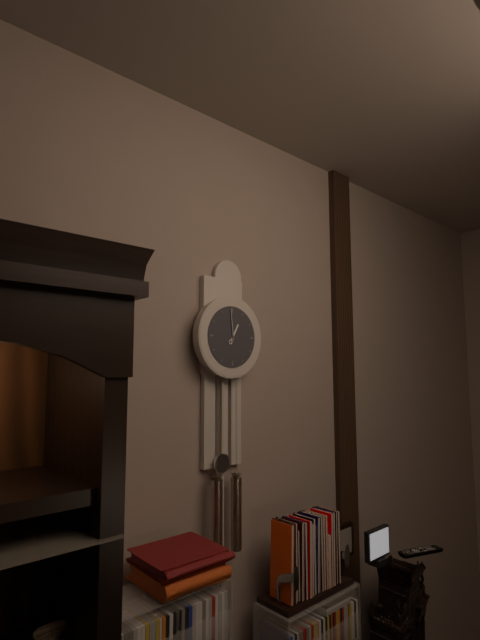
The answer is **12:59**
